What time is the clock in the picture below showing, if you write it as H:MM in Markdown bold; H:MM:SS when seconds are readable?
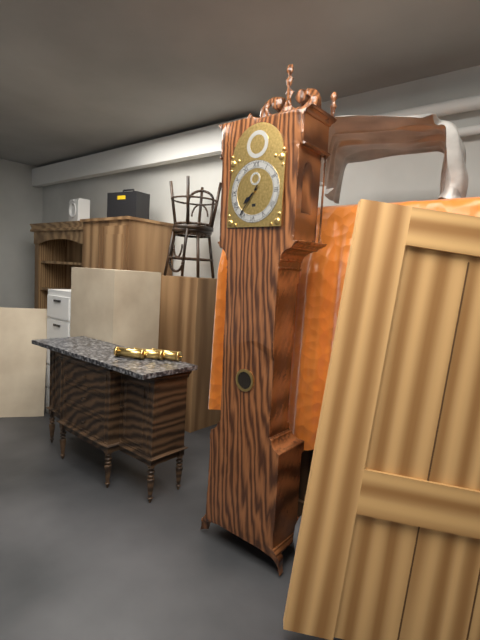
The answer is **7:36**
